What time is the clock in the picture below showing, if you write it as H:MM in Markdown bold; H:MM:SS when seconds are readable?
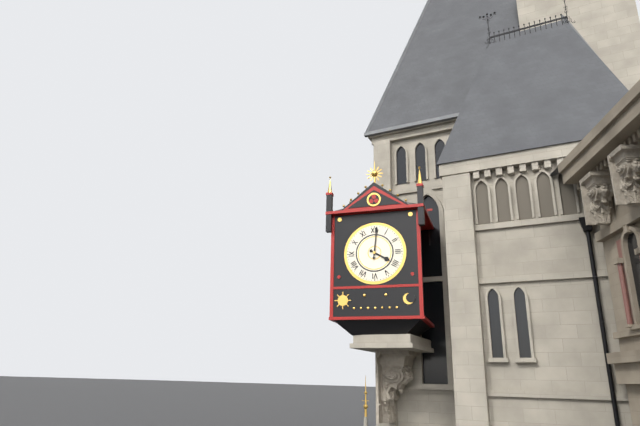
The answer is **4:01**
